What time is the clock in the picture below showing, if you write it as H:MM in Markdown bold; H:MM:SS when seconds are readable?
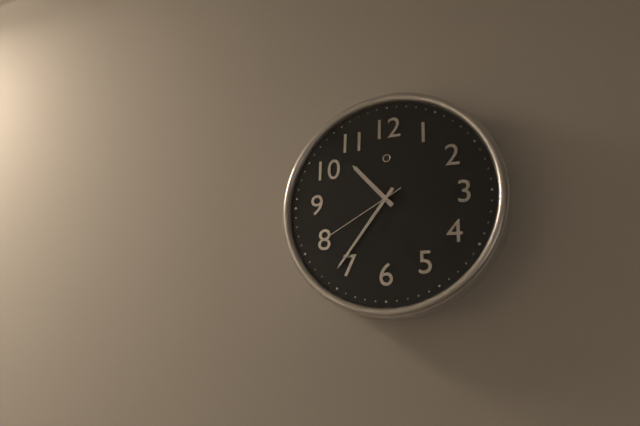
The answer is **10:36:40**
